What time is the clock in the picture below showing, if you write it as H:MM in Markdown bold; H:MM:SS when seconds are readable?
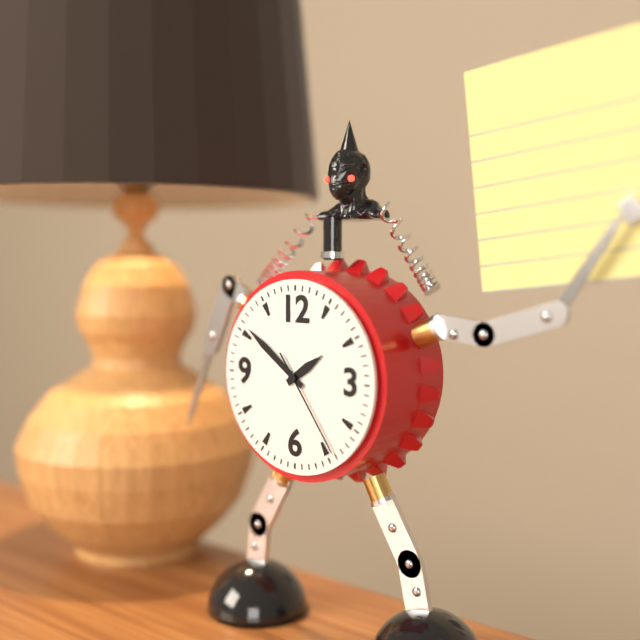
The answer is **1:51:24**
